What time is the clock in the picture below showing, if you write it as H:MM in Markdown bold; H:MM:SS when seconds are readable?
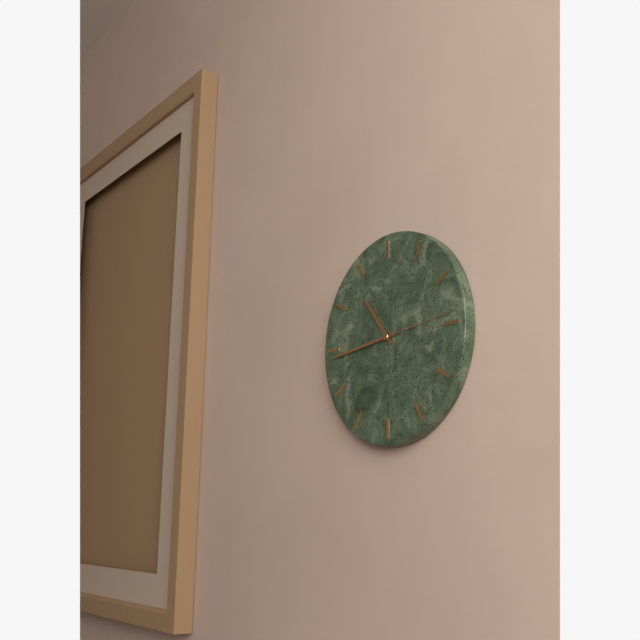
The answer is **10:44:14**
